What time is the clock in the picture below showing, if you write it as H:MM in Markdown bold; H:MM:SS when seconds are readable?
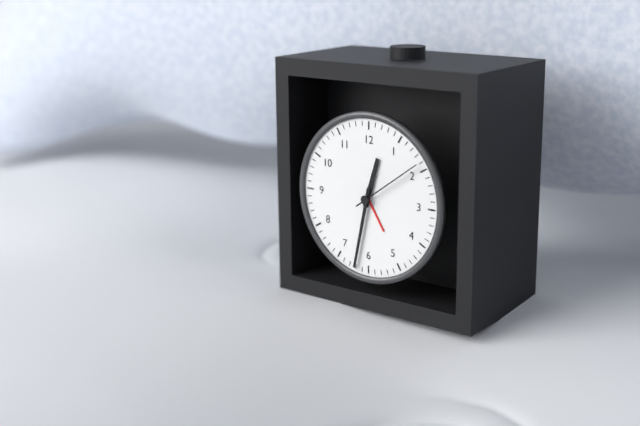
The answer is **12:32:09**
